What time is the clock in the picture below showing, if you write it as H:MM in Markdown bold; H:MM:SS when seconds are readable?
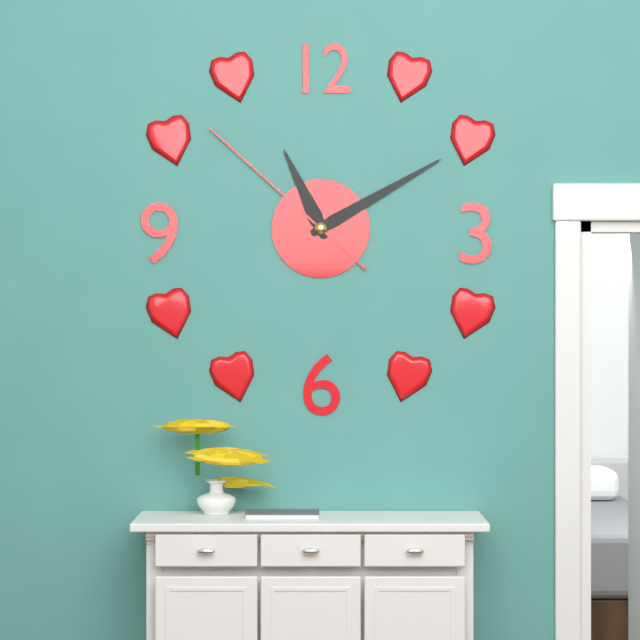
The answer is **11:10:52**
